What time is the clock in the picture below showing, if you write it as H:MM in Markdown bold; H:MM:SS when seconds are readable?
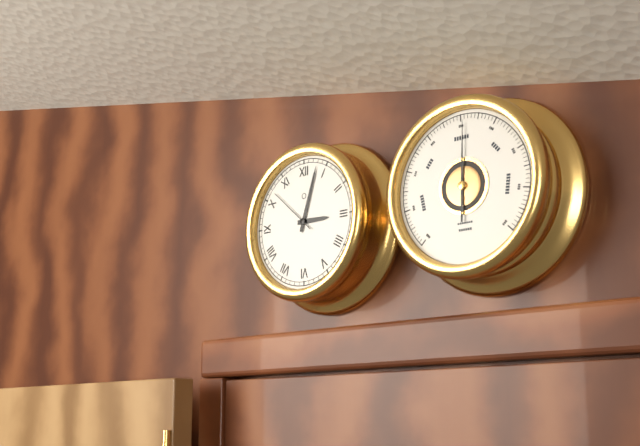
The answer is **3:03**
